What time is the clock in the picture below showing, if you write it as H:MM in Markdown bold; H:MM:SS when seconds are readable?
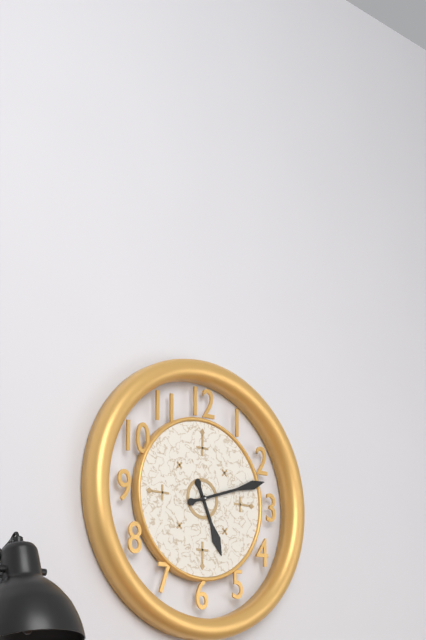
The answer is **5:12**
